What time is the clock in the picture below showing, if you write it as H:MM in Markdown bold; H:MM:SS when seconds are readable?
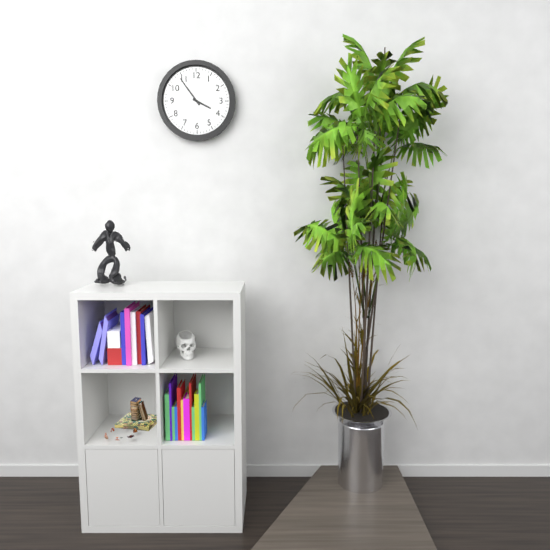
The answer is **3:54**
